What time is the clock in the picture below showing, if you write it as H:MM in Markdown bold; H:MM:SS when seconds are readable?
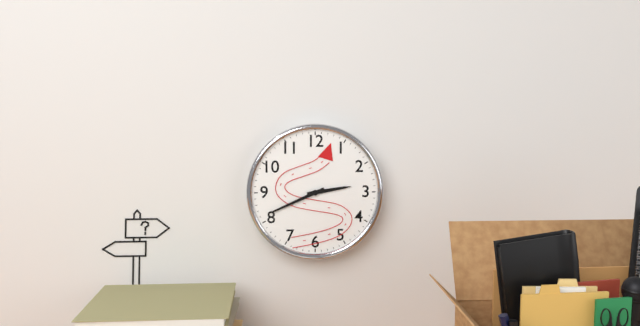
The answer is **2:41**
